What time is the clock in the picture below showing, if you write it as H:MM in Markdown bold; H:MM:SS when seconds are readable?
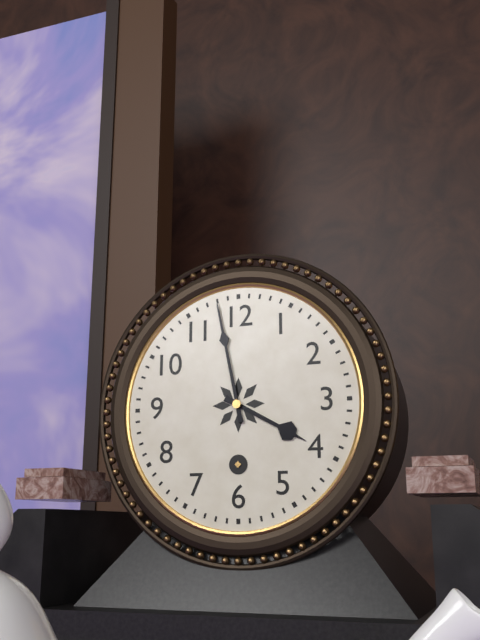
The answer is **3:58**
